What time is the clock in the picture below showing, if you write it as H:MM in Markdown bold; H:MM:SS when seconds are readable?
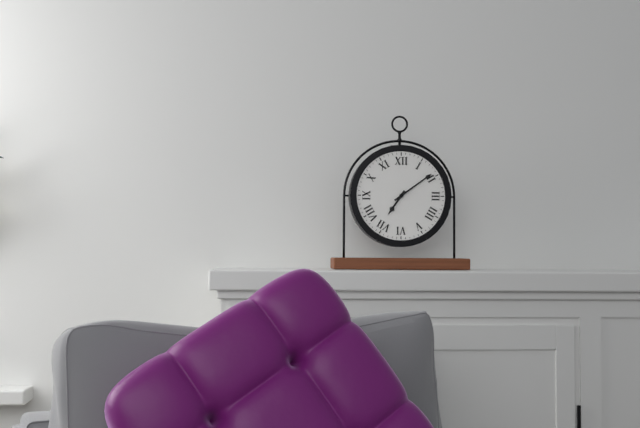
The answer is **7:09**
